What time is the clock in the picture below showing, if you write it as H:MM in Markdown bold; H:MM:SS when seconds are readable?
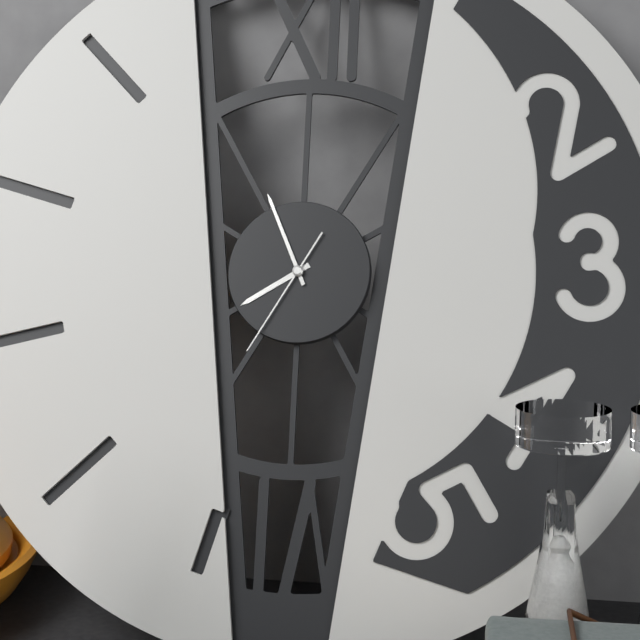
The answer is **7:56:35**
